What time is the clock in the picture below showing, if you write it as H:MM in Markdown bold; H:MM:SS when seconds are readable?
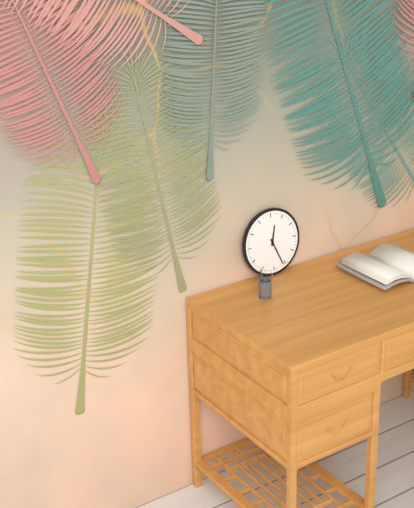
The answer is **12:26**
